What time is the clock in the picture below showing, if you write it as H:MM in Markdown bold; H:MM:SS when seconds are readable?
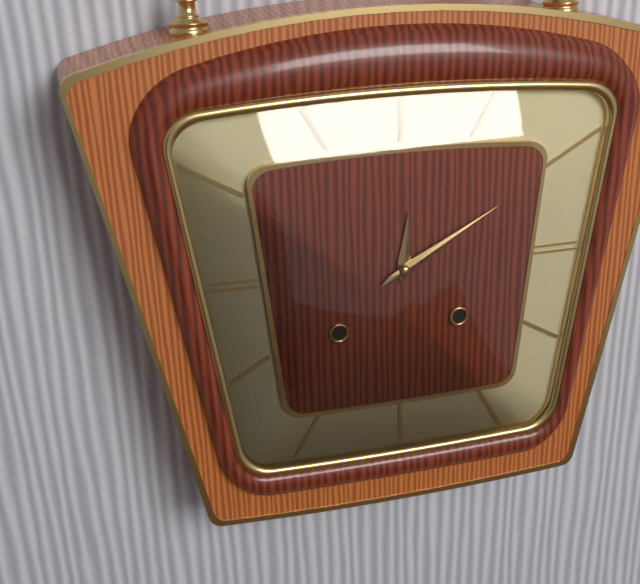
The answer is **12:10**
